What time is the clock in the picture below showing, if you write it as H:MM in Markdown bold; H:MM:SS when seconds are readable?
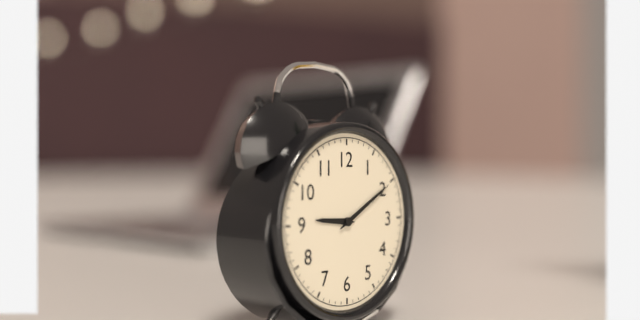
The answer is **9:10**
